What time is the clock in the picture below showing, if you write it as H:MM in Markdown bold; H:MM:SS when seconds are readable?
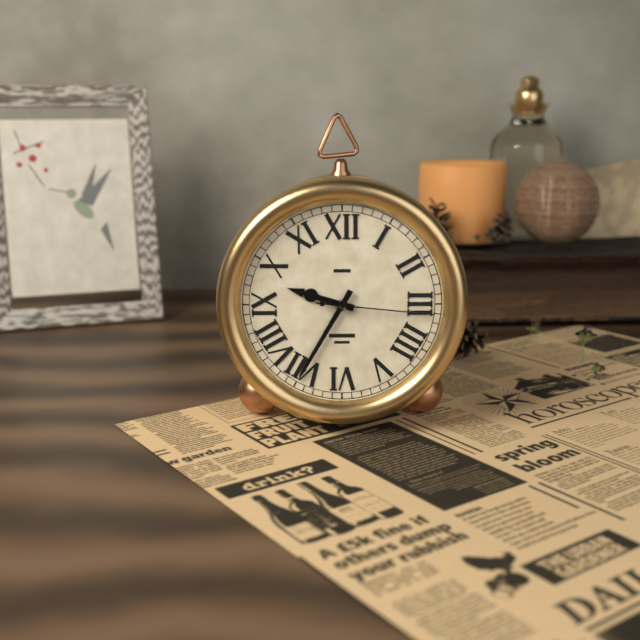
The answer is **9:35:16**
